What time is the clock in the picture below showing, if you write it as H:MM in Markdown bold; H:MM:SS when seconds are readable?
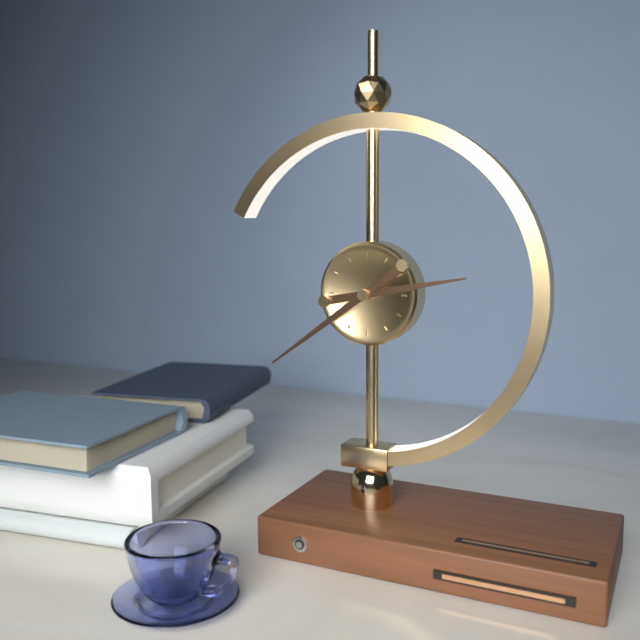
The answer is **2:39**
